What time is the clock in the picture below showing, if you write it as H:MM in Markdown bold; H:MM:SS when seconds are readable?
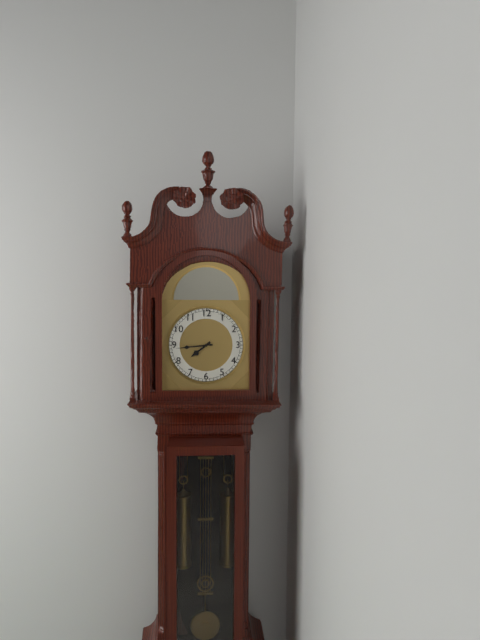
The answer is **7:44**
